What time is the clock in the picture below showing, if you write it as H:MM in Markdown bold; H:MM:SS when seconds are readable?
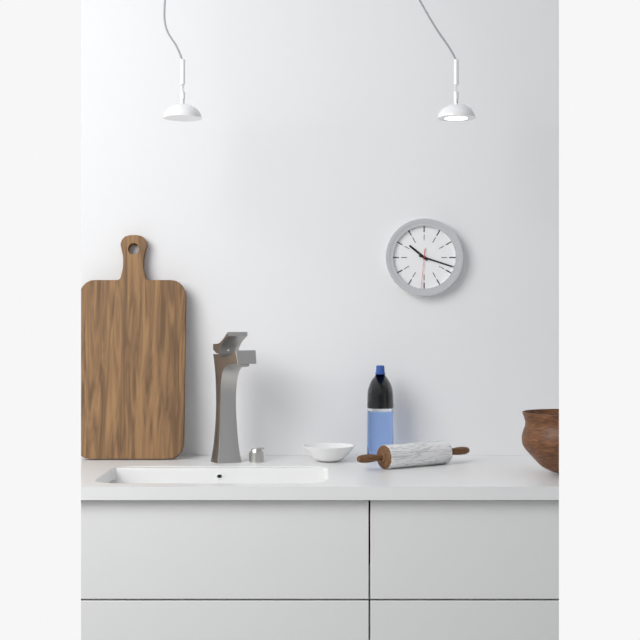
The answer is **10:18**
